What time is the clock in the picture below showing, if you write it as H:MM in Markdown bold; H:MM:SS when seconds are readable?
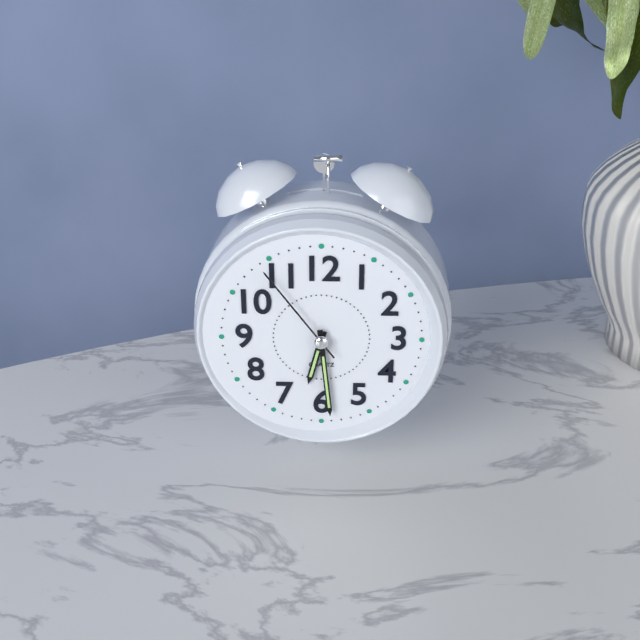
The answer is **6:29:54**
